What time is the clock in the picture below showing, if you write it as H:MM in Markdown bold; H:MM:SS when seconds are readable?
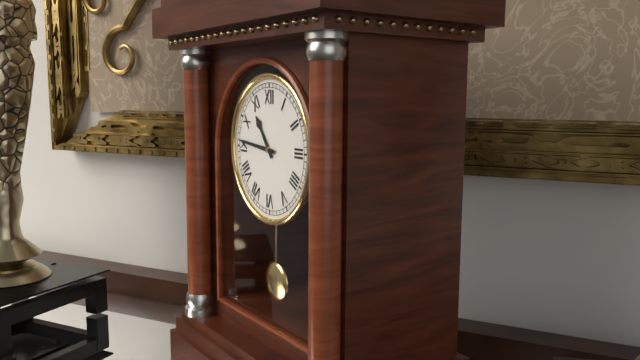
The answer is **10:46**
